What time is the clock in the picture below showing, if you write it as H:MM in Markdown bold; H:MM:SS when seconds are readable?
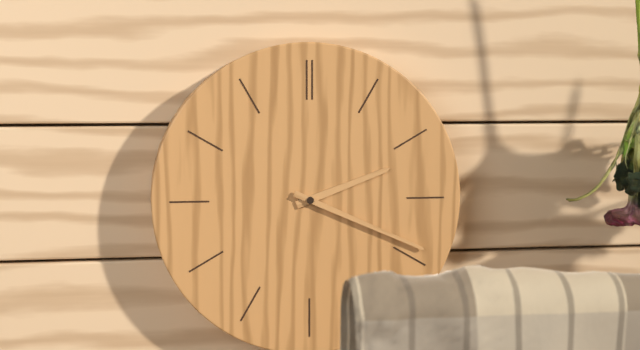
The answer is **2:19**
